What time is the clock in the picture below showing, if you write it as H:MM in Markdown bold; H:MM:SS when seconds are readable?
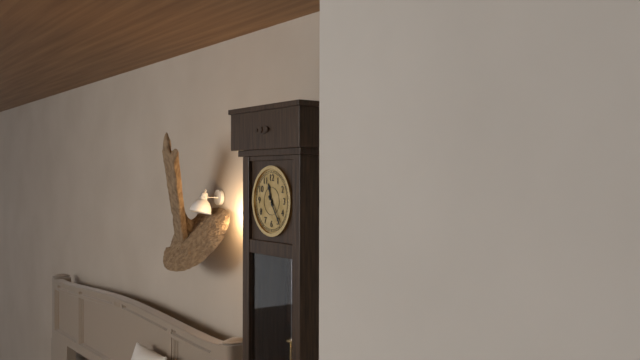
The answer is **11:24**
